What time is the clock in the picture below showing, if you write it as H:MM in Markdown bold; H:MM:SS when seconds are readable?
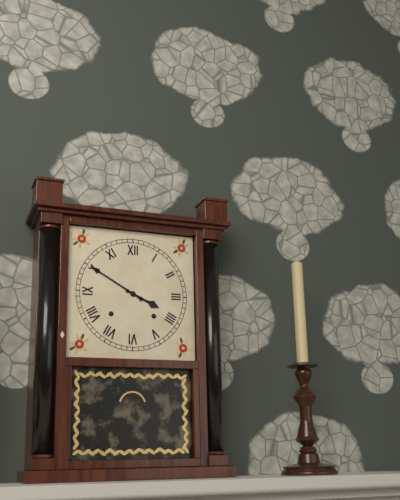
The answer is **3:50**
